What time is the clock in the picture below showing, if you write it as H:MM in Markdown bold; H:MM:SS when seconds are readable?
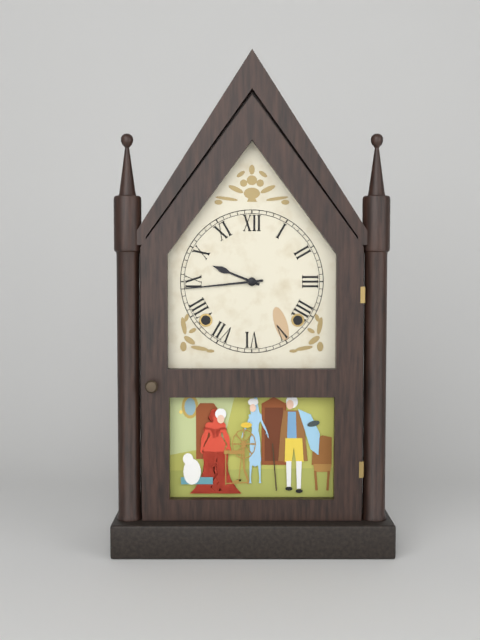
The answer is **9:44**
